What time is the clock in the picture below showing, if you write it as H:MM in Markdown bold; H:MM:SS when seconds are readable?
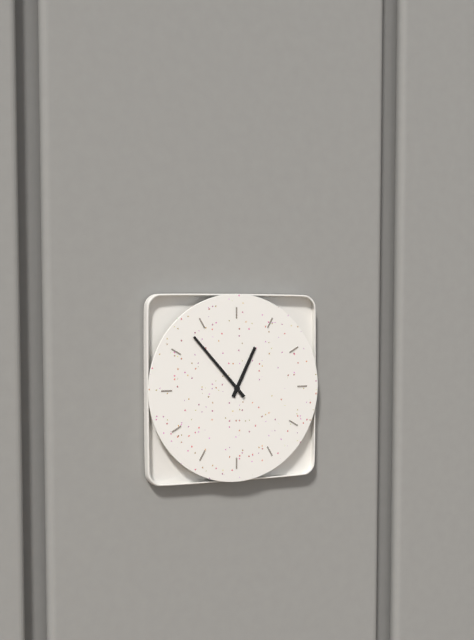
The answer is **12:53**
